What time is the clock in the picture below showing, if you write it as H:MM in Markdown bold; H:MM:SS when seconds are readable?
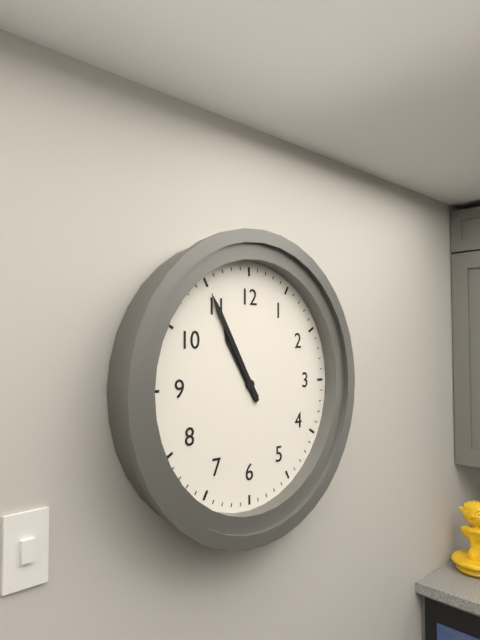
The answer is **10:55**
